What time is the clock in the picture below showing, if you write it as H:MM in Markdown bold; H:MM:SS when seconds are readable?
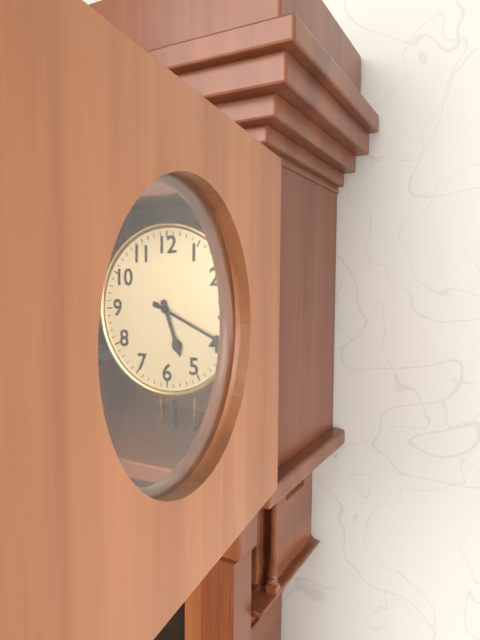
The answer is **5:19**
